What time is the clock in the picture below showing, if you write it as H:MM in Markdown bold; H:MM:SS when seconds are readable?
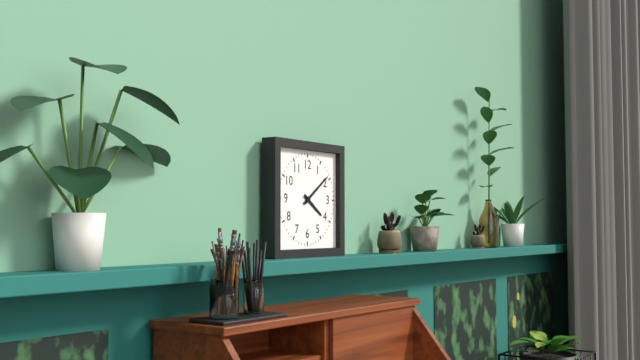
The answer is **4:09**
